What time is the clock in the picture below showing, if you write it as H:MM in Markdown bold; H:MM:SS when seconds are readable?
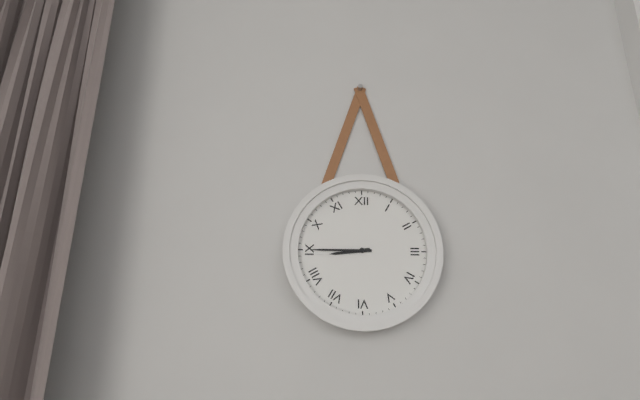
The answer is **8:45**
